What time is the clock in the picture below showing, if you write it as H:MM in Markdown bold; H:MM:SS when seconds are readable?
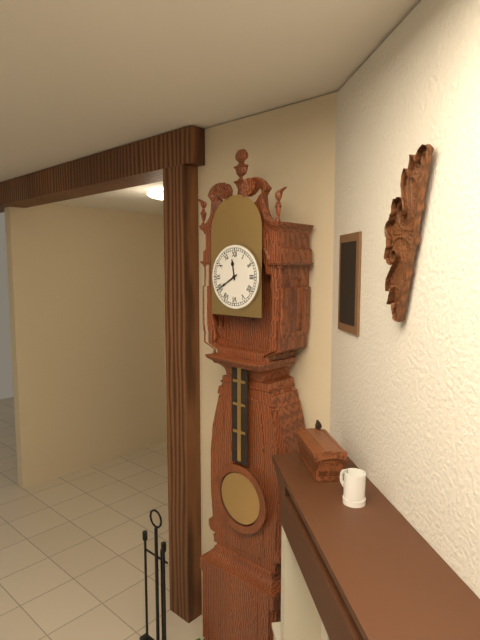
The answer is **11:40**
